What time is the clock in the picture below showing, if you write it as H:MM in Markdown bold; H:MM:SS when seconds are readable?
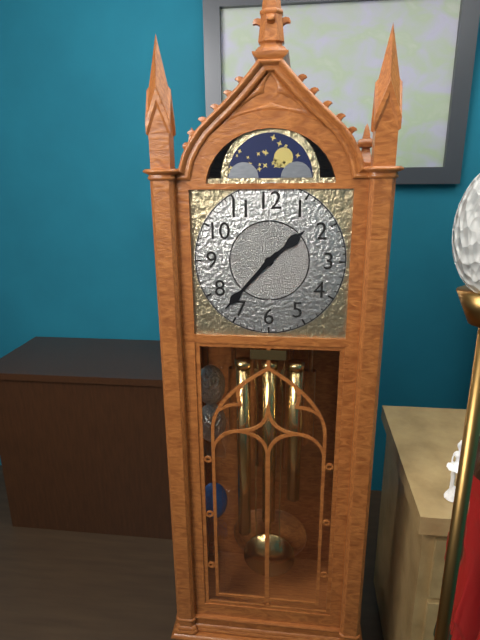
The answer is **1:37**
